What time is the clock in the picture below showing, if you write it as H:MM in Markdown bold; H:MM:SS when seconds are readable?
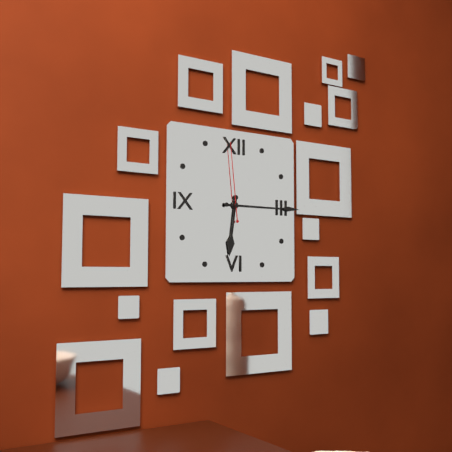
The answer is **6:15:59**
